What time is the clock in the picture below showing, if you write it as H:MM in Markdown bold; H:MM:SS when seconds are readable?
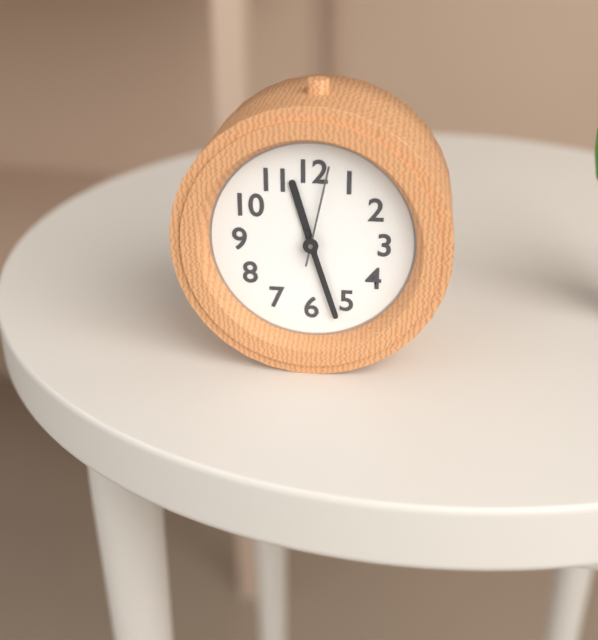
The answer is **11:27:02**
